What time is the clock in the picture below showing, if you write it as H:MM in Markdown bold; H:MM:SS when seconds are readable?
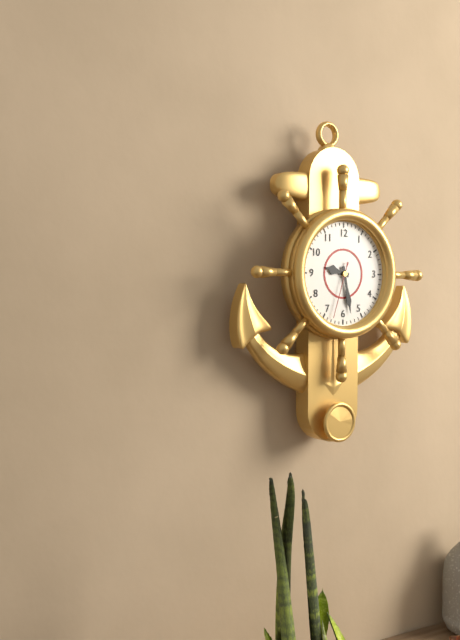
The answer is **9:28:33**
